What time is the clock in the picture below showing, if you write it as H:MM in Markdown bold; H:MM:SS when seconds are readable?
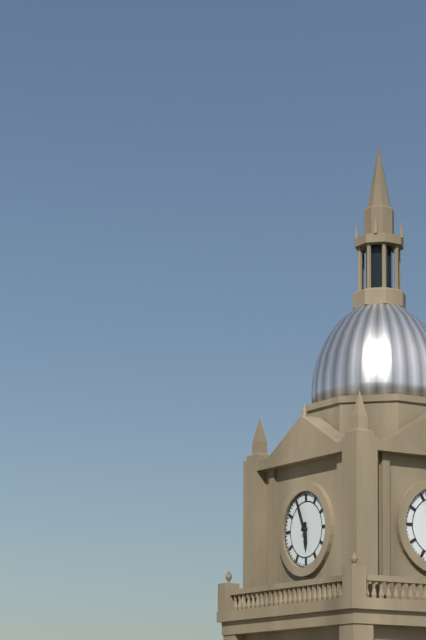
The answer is **5:56**
